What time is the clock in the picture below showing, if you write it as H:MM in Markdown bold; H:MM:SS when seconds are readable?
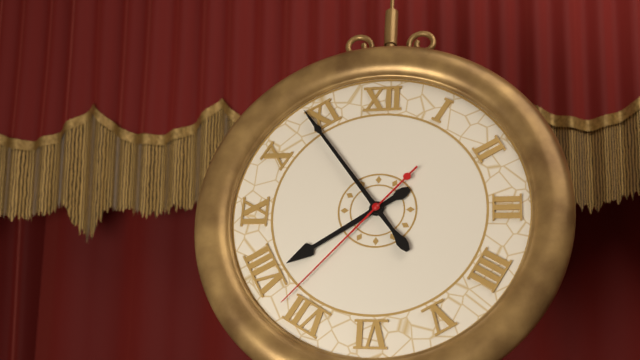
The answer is **7:54:37**
